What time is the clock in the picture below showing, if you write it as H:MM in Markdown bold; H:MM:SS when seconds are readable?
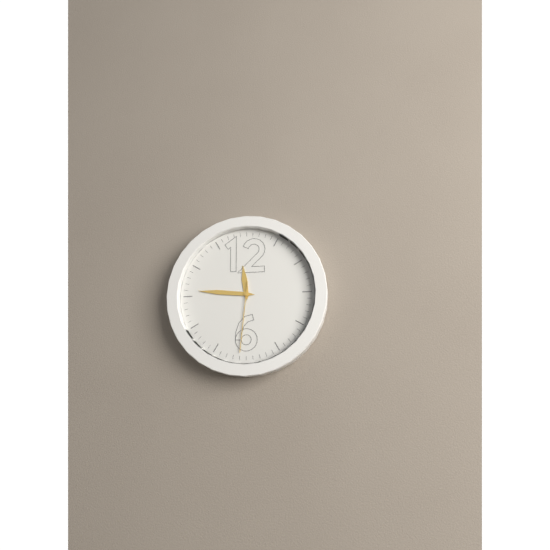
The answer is **11:46:31**
